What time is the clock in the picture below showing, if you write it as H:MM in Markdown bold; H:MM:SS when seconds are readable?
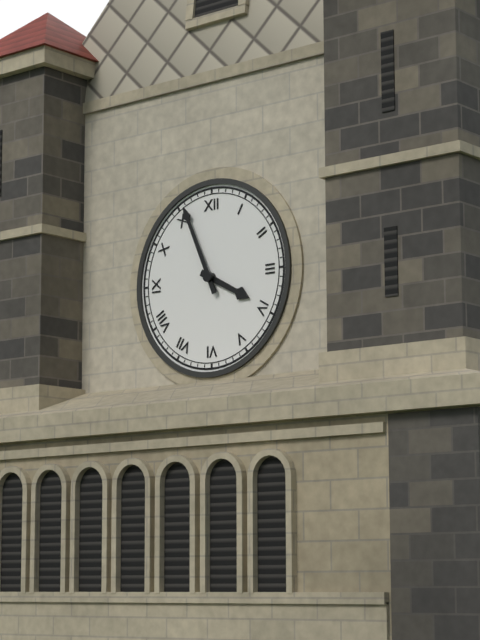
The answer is **3:56**
